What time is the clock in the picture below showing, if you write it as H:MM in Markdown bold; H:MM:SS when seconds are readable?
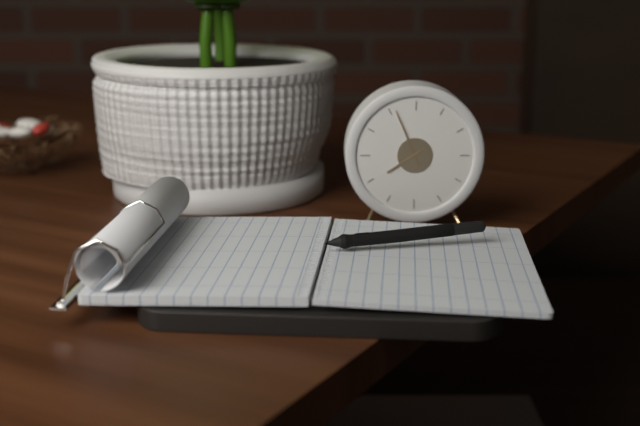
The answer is **7:56**
